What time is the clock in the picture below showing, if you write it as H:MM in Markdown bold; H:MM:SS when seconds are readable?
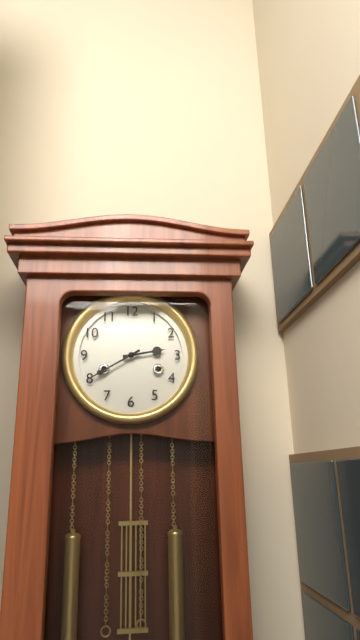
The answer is **2:40**
